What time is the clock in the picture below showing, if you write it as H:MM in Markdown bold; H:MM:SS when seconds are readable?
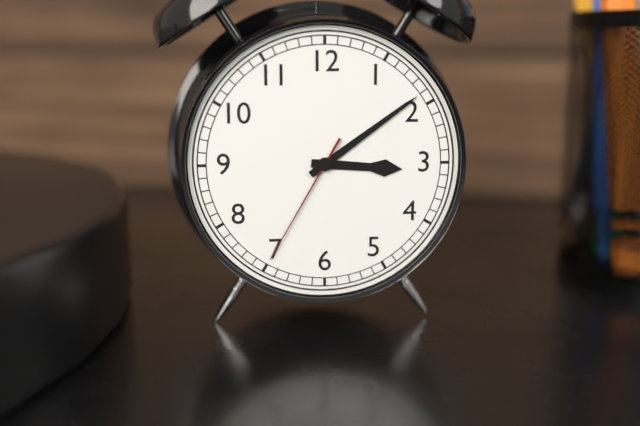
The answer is **3:09:35**
